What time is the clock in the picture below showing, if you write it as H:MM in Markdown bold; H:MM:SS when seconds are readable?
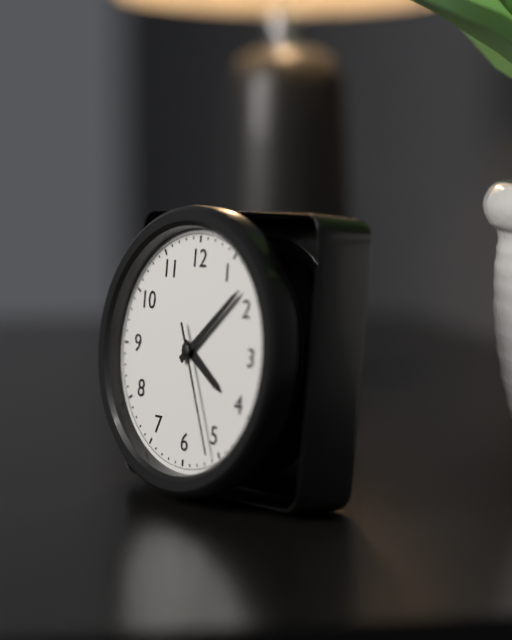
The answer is **4:08:26**
